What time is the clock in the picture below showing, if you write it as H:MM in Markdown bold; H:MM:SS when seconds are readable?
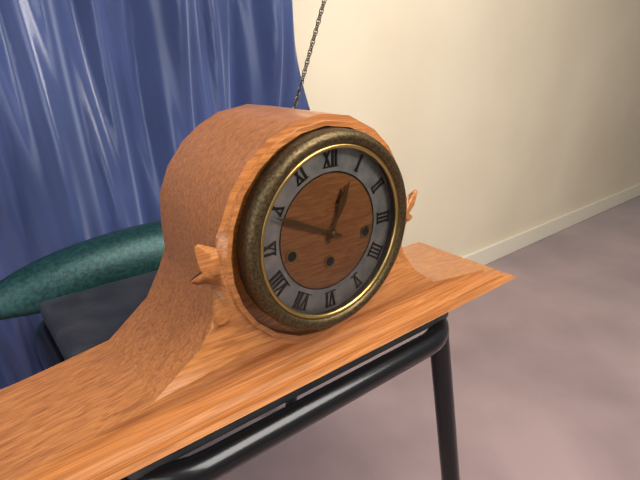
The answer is **12:49**
